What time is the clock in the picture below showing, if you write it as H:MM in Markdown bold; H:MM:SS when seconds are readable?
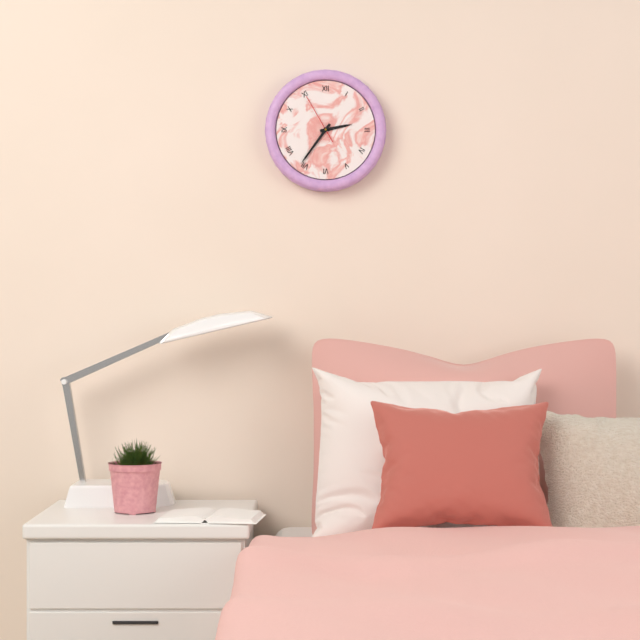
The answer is **2:36**
